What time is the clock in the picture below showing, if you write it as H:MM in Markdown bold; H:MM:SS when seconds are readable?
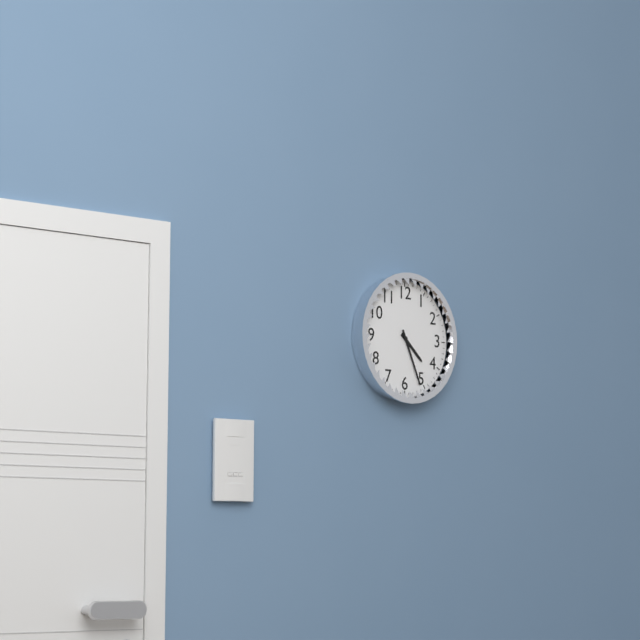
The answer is **4:26**
